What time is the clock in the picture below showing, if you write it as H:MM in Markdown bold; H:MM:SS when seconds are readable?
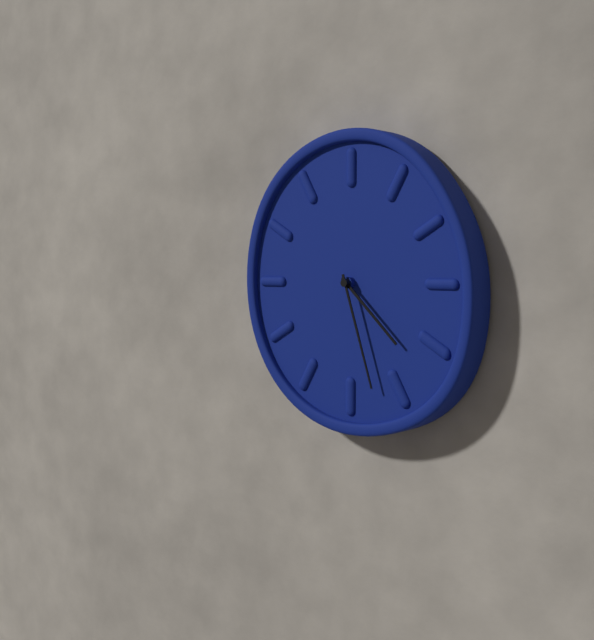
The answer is **4:27**
